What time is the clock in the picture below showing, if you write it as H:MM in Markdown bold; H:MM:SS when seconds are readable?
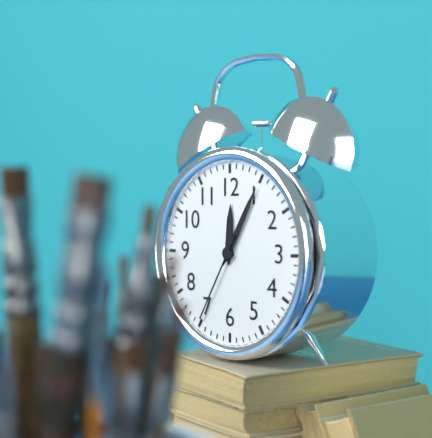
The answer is **12:05:35**
